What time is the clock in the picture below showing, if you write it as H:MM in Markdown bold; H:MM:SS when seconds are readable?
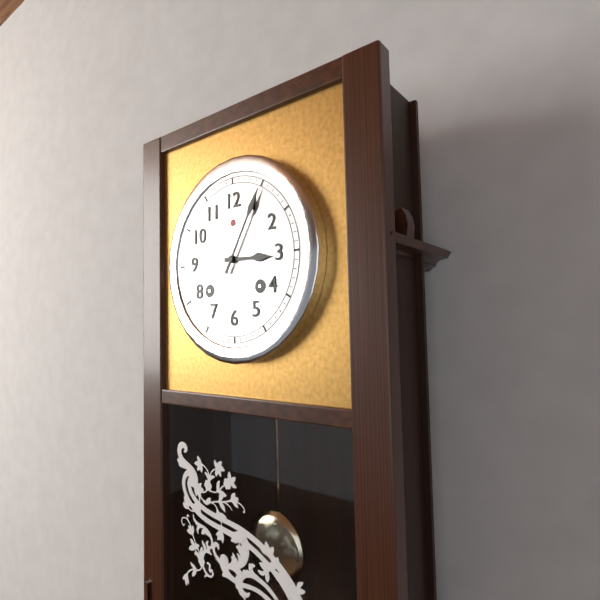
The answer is **3:05**
